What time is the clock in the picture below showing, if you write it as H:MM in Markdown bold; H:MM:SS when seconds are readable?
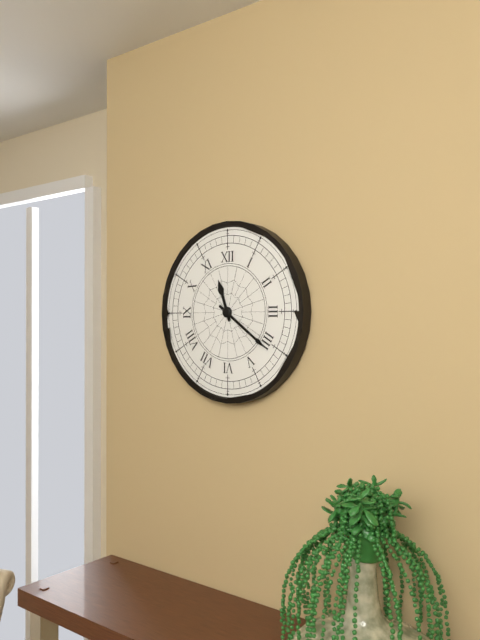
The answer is **11:21**
